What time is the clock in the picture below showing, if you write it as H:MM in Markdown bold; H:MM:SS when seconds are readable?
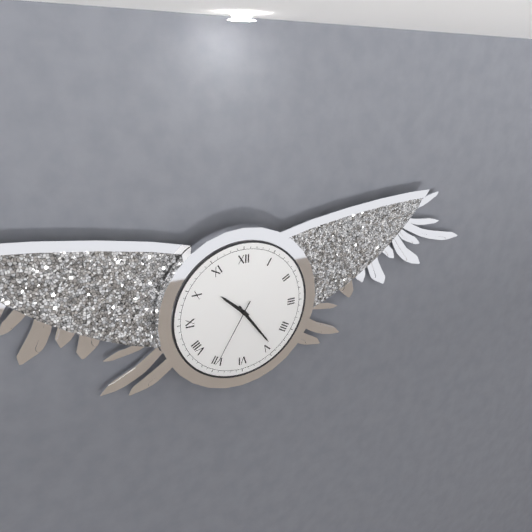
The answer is **10:24:35**
